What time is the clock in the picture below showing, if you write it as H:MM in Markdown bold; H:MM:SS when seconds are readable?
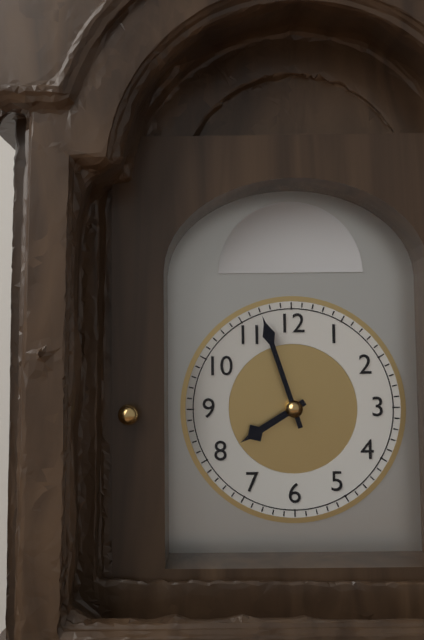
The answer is **7:57**
